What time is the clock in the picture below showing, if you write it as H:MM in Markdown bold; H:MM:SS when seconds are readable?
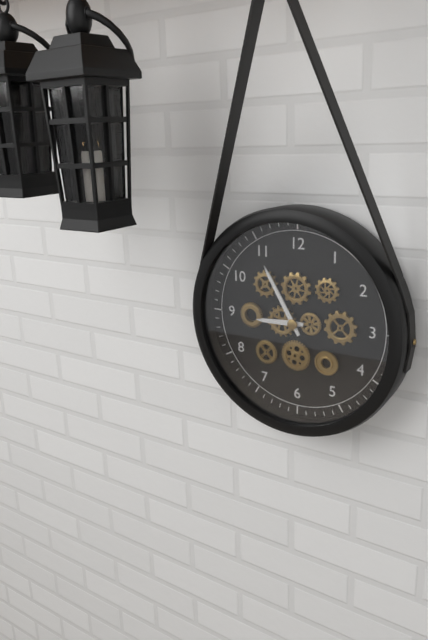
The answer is **8:55**
